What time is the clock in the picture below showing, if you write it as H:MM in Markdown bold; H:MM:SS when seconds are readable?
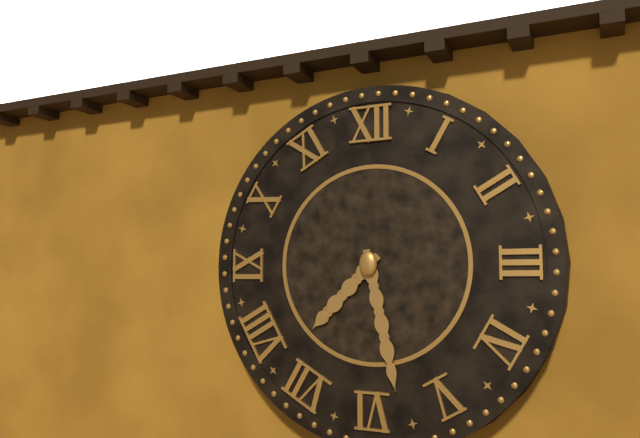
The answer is **7:28**
